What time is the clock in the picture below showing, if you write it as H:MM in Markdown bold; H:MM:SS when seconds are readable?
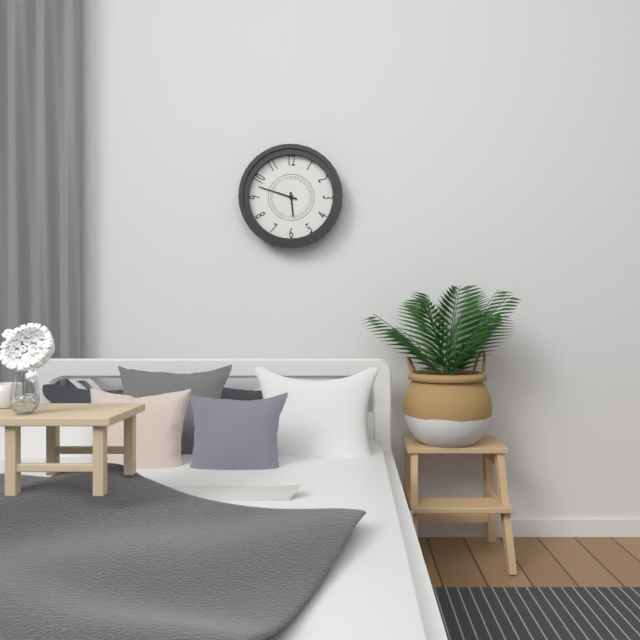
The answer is **5:48**
